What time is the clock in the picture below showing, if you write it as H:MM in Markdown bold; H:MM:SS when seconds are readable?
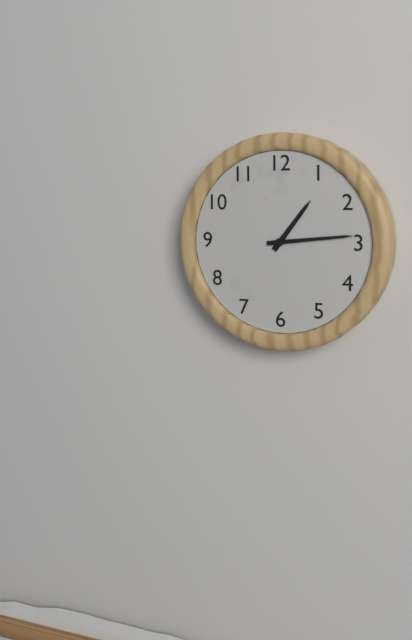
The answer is **1:14**
